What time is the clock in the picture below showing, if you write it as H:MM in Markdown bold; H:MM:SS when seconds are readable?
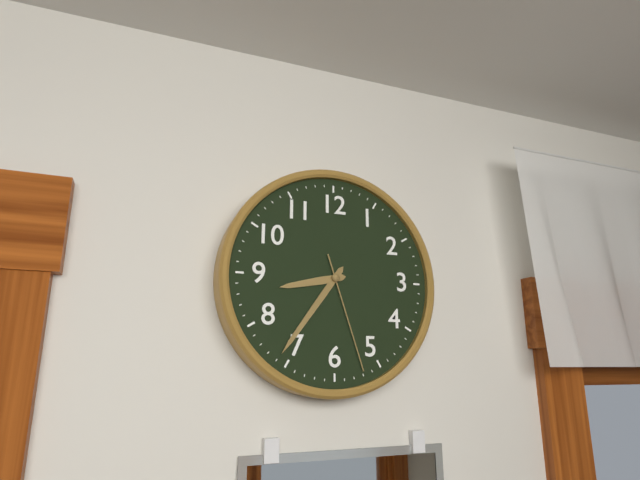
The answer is **8:36:27**
